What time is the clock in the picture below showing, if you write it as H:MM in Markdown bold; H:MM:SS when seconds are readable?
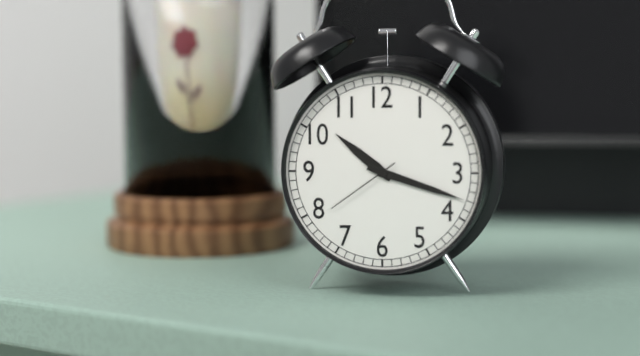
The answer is **10:18:39**
